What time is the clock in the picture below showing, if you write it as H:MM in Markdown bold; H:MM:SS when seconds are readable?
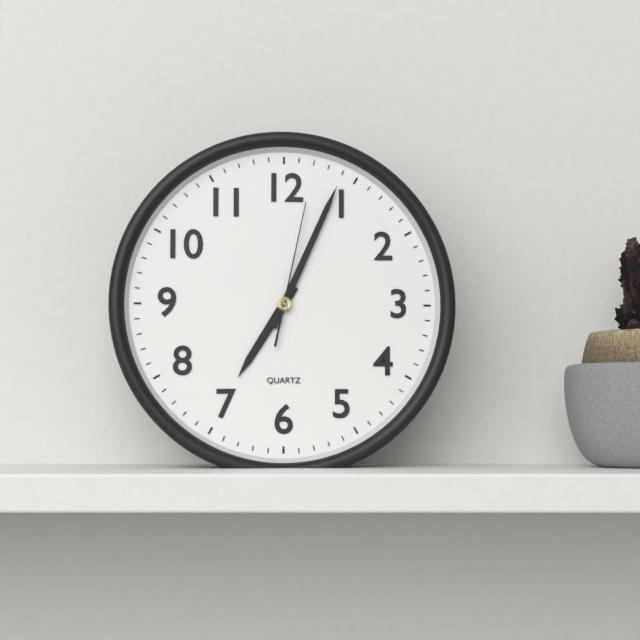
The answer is **7:04:02**
